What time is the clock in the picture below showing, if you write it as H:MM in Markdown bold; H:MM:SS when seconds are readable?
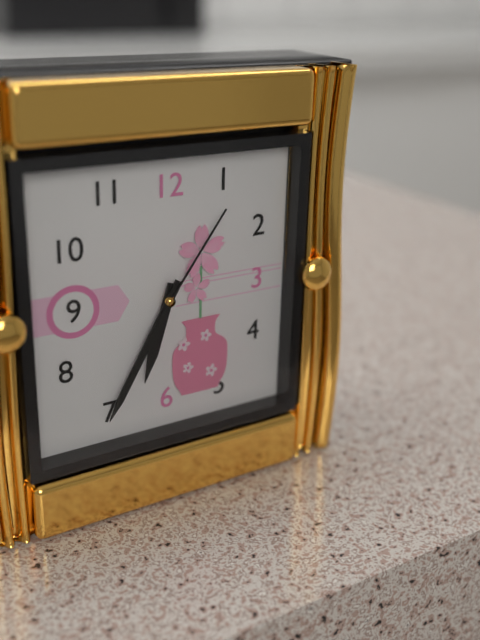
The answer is **6:35:06**
